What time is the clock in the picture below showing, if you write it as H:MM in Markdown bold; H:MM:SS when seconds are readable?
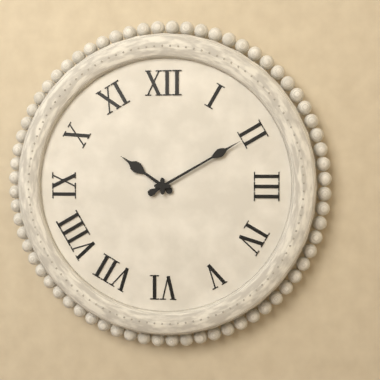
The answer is **10:10**
